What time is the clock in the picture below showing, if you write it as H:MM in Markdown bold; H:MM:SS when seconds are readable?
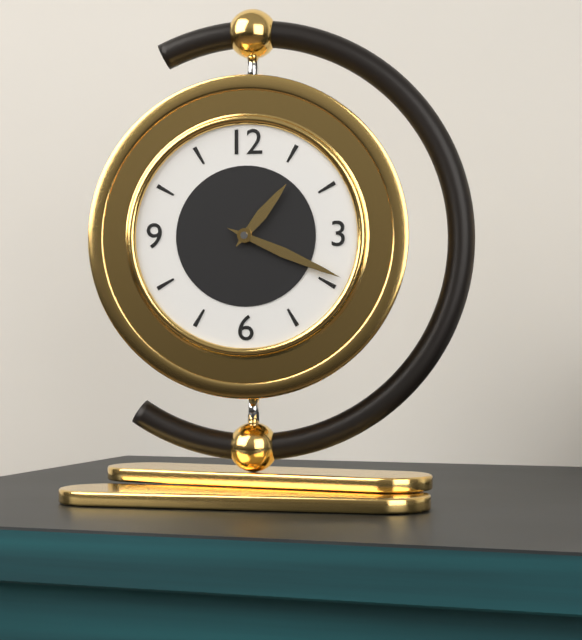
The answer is **1:19**
